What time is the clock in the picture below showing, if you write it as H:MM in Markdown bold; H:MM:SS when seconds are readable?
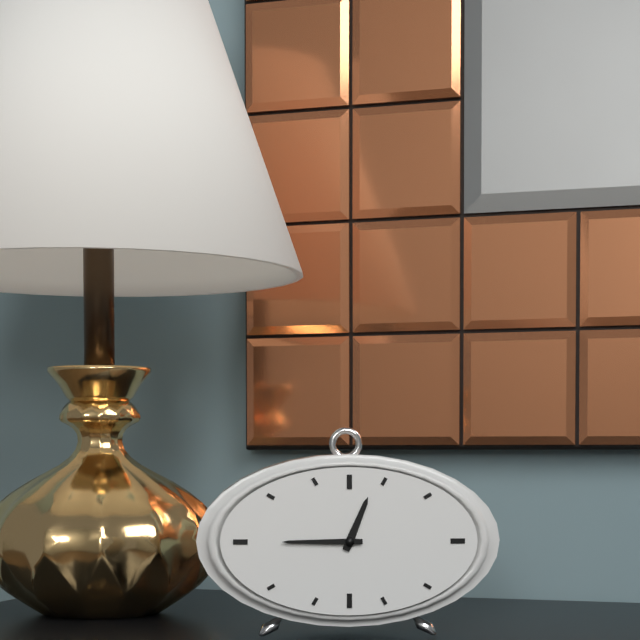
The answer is **12:45**
